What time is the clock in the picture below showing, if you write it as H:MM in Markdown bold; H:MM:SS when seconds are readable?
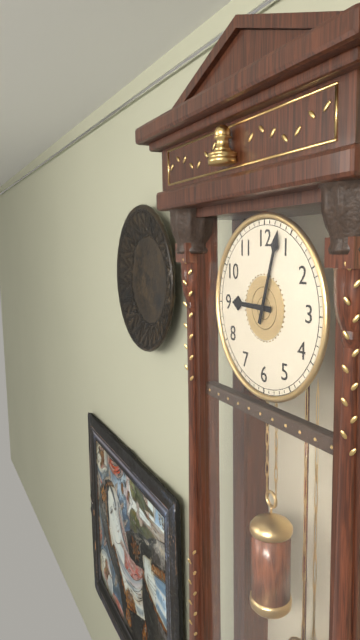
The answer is **9:03**
